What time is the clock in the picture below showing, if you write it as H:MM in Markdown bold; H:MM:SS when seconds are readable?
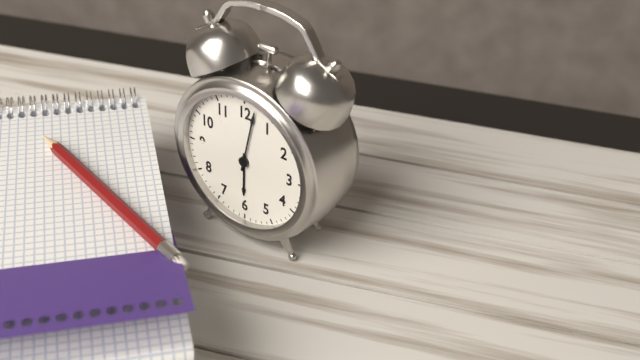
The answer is **6:02**
